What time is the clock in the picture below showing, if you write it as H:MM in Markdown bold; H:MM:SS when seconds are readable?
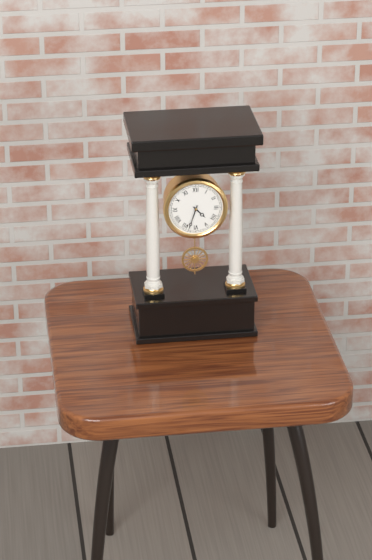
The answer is **4:33**
